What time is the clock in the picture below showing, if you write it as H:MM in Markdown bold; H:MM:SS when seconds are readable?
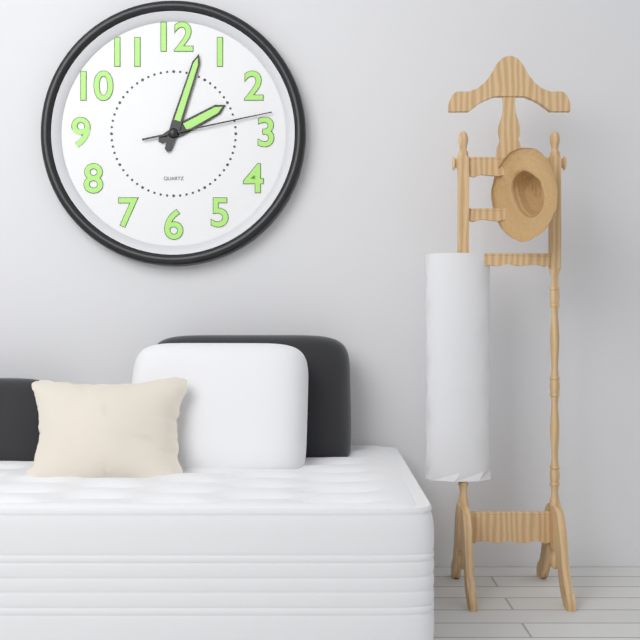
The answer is **2:03:13**
